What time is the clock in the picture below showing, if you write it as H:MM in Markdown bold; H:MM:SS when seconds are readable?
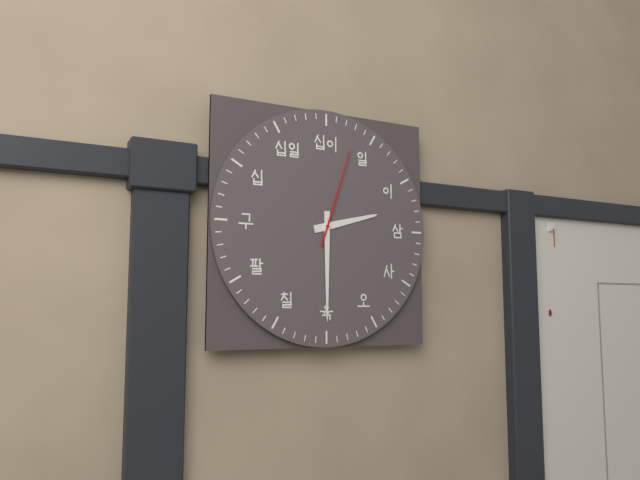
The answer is **2:30:03**
